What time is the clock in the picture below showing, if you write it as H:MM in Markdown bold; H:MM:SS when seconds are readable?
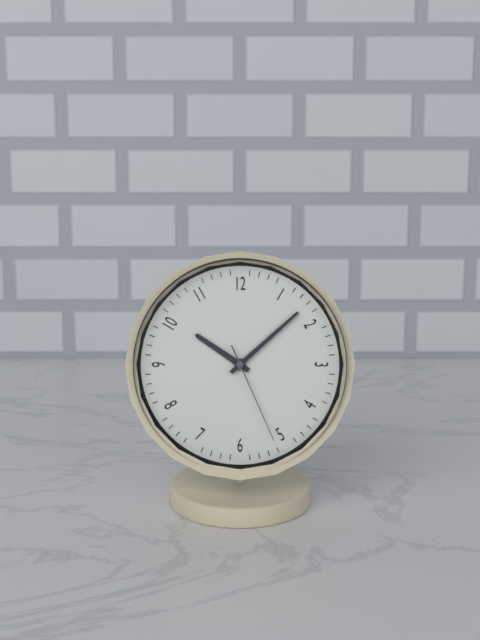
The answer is **10:08:26**
